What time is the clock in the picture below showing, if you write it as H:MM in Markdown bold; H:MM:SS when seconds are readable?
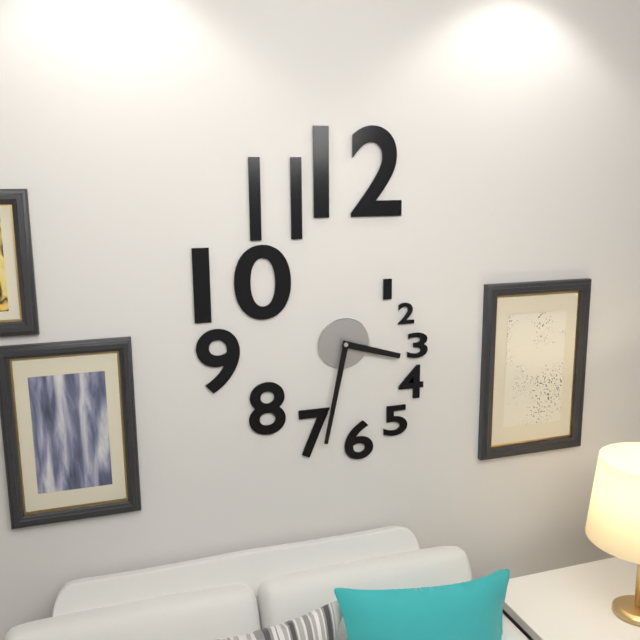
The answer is **3:32**
